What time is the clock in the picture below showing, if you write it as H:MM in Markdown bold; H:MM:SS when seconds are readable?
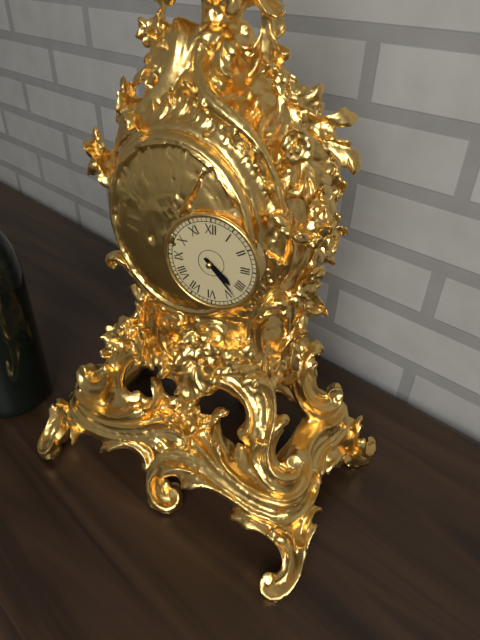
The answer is **4:23**
